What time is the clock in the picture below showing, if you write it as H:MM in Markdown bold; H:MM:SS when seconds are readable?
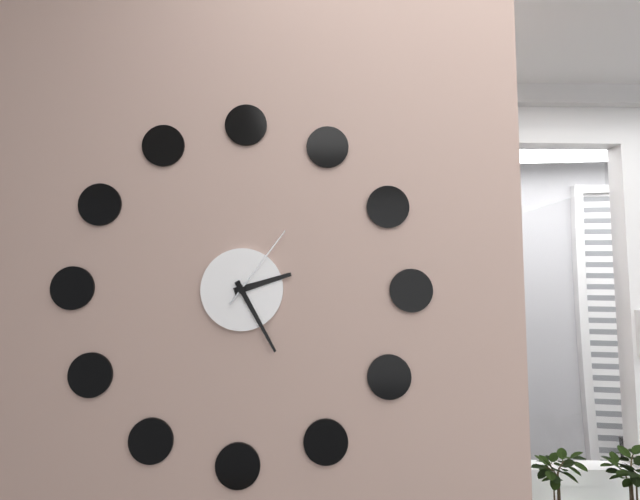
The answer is **2:25:06**
